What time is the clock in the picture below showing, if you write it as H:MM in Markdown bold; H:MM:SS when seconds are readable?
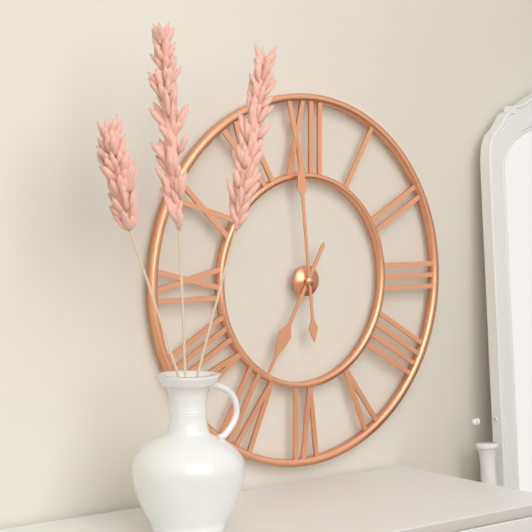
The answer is **6:59**
